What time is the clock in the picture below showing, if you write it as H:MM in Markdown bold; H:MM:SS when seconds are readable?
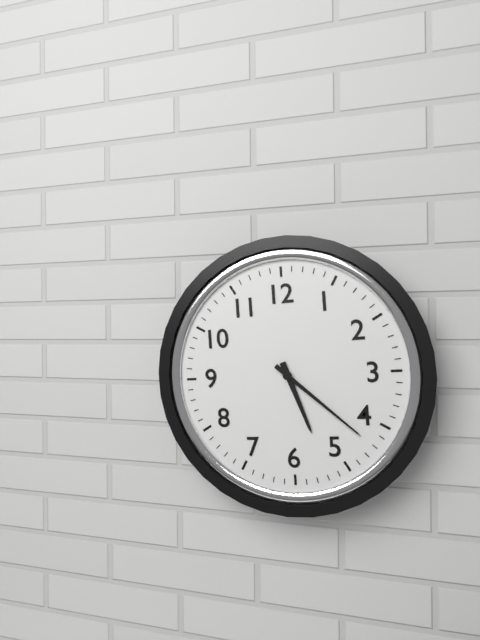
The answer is **5:22**
